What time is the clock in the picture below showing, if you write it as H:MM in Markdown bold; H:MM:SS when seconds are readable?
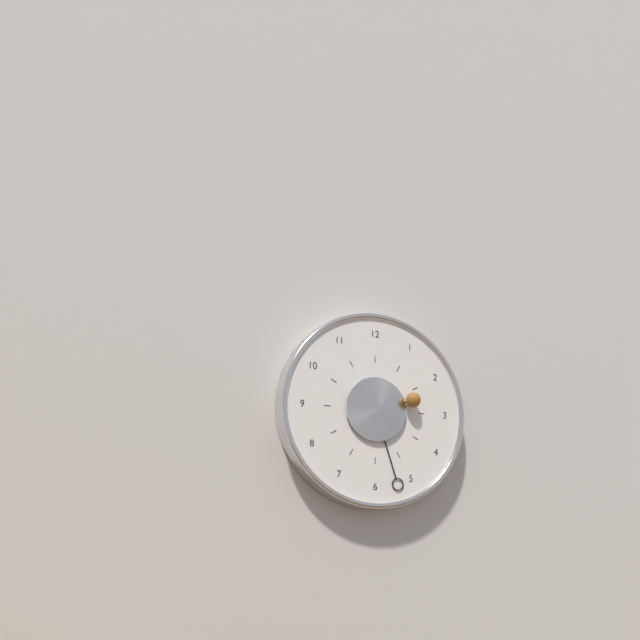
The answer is **2:27**
